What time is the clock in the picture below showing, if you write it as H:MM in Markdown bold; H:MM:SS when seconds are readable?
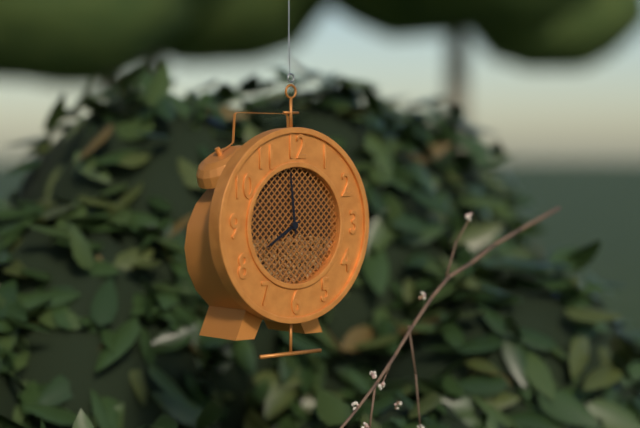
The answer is **7:59**
